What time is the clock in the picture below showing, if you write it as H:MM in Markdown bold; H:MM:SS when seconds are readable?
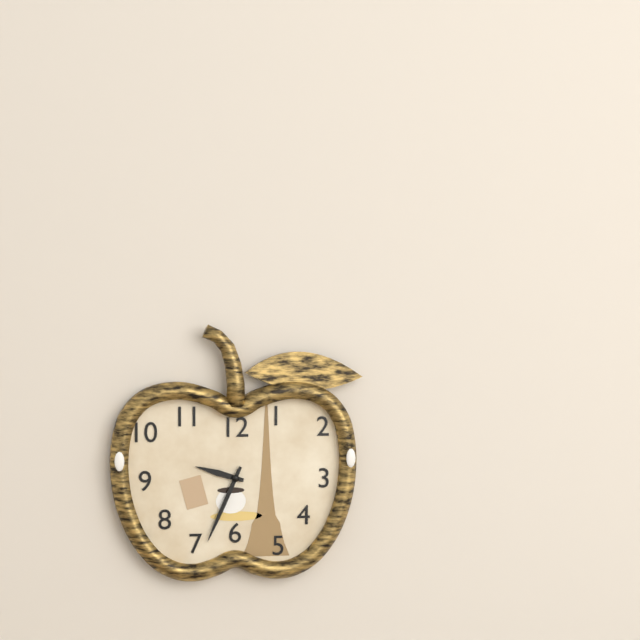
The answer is **9:34**
